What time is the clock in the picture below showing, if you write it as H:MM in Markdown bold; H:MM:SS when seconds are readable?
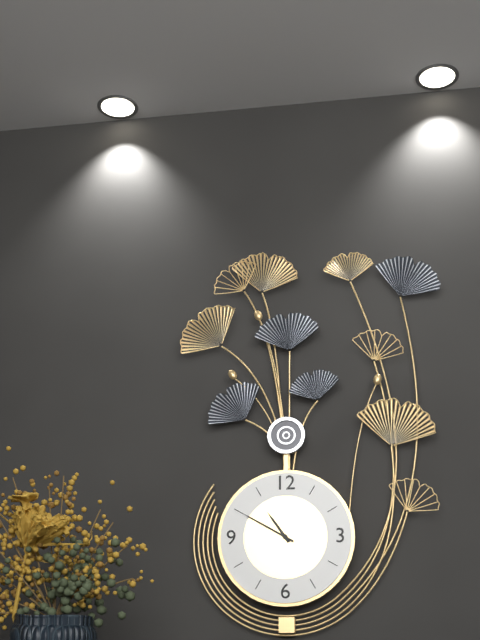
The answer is **10:50**
